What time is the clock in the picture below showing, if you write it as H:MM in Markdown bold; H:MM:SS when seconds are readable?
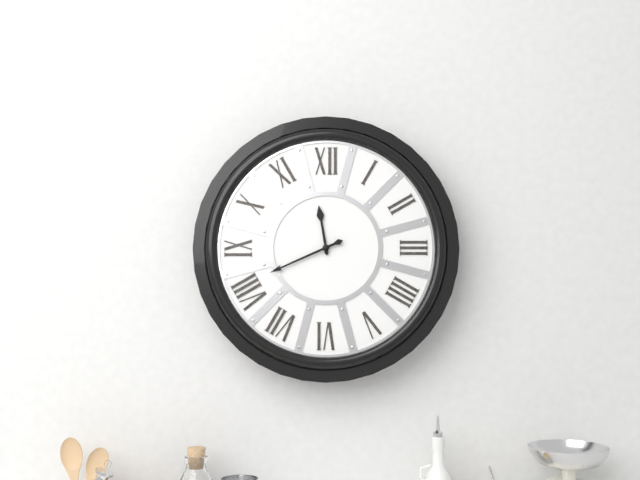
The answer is **11:41**
